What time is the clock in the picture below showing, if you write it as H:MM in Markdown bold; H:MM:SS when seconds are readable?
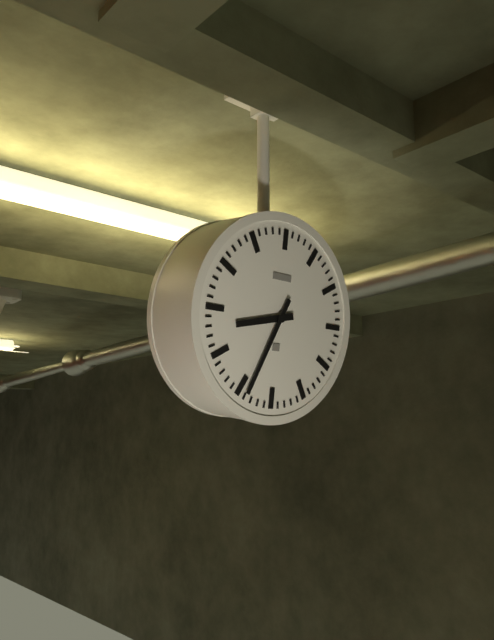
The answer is **8:34**
